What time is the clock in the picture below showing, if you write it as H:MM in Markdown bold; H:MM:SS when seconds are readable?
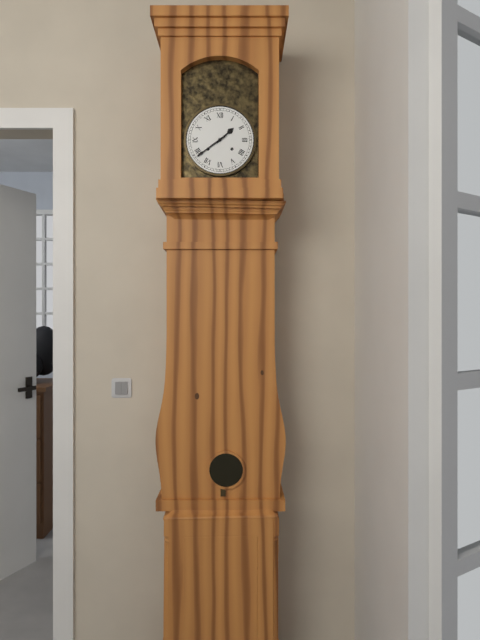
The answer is **1:39**
